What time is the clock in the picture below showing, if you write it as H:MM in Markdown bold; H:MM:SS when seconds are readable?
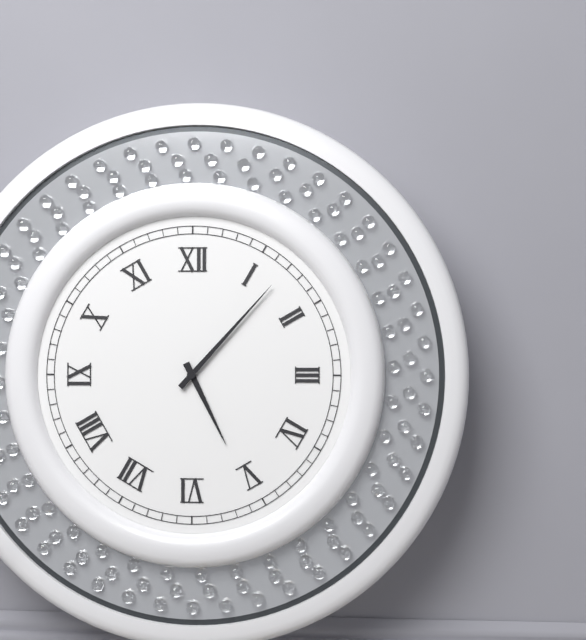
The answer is **5:07**
